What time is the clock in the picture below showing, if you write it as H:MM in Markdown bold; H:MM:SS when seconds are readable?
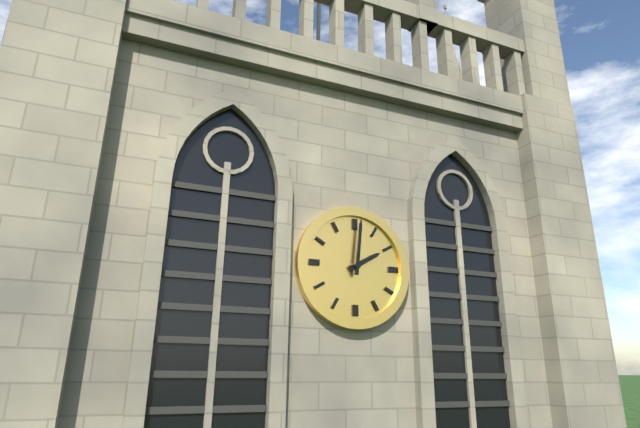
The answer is **2:01**
